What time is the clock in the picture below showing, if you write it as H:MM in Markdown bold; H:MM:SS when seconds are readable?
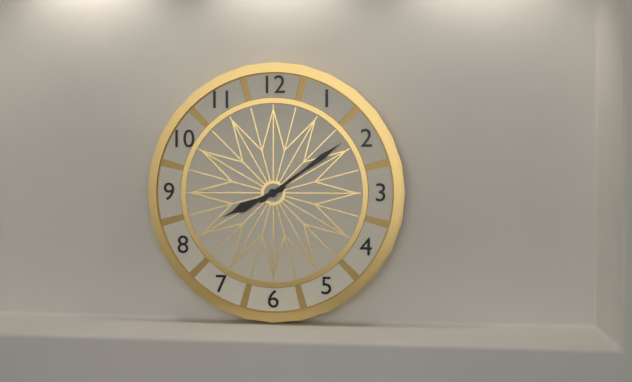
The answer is **8:09**
